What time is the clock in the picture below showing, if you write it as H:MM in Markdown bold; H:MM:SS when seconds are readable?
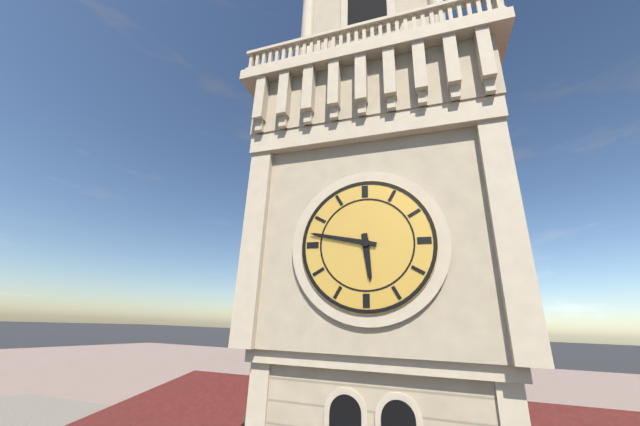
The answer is **5:47**
